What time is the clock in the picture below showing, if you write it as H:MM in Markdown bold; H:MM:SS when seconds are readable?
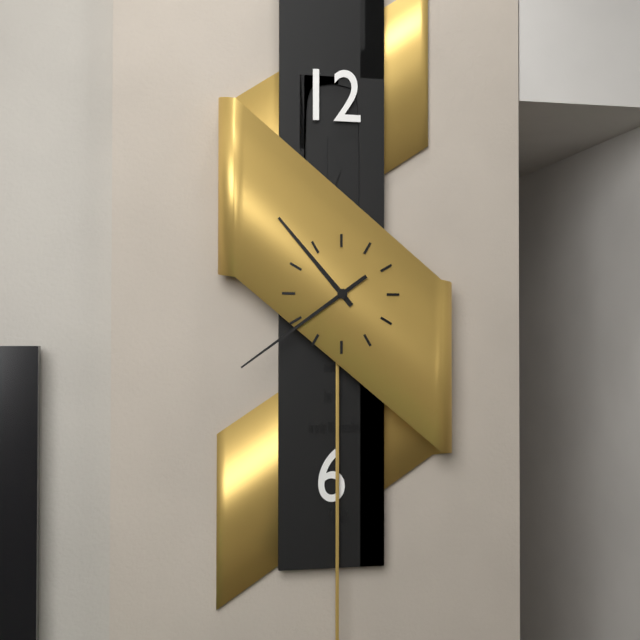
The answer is **10:39**
